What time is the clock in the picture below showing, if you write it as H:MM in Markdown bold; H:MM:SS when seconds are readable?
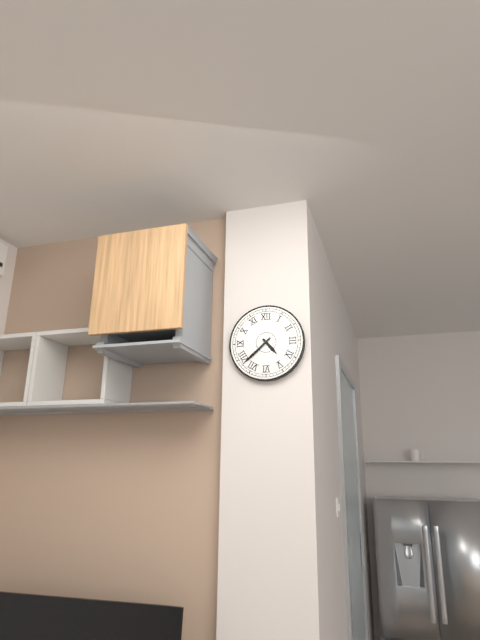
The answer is **4:38**
